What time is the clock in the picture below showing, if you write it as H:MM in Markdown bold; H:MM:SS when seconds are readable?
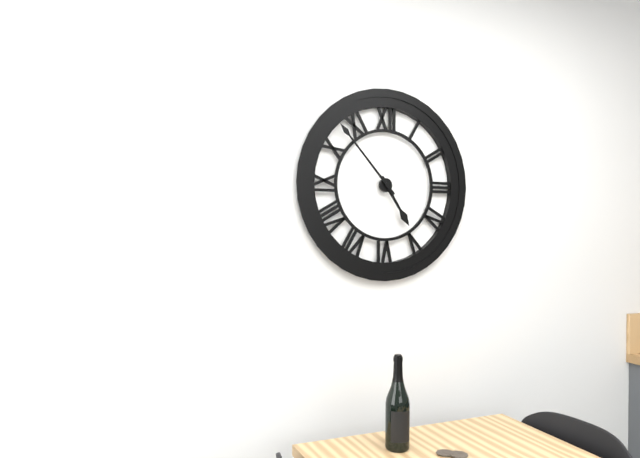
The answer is **4:53**
